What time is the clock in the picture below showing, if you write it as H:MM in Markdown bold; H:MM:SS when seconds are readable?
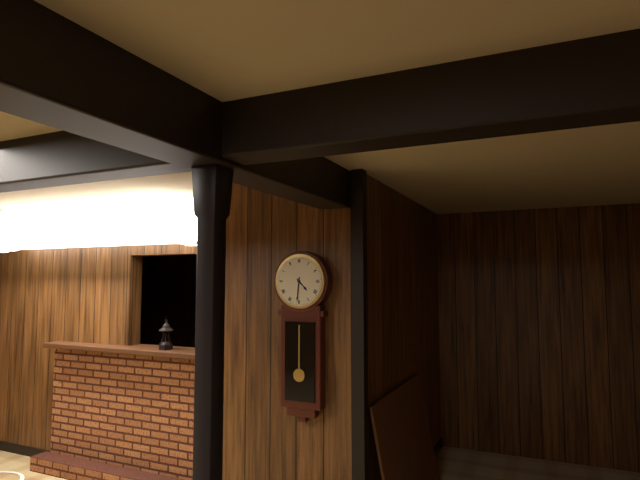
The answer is **4:31**
